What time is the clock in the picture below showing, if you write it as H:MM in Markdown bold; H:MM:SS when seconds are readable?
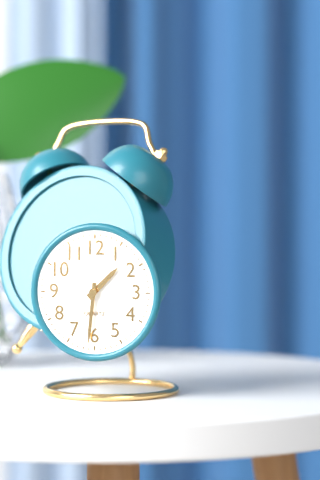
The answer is **1:31**
